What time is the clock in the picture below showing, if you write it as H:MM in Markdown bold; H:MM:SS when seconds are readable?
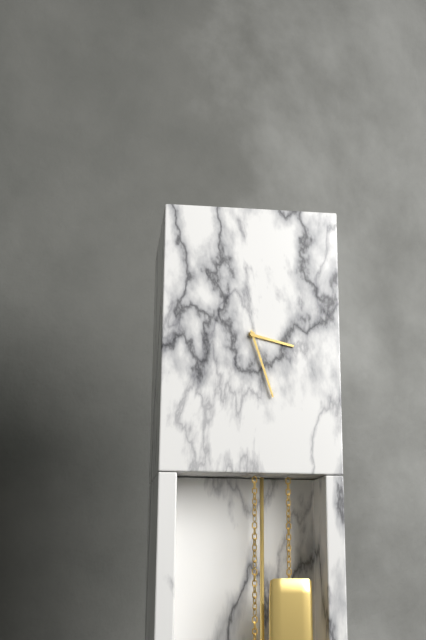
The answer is **3:27**
